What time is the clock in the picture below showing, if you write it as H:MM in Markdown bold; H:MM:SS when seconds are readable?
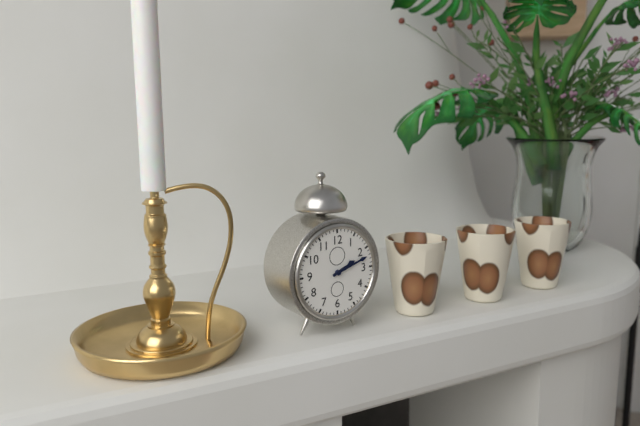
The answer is **2:12**
